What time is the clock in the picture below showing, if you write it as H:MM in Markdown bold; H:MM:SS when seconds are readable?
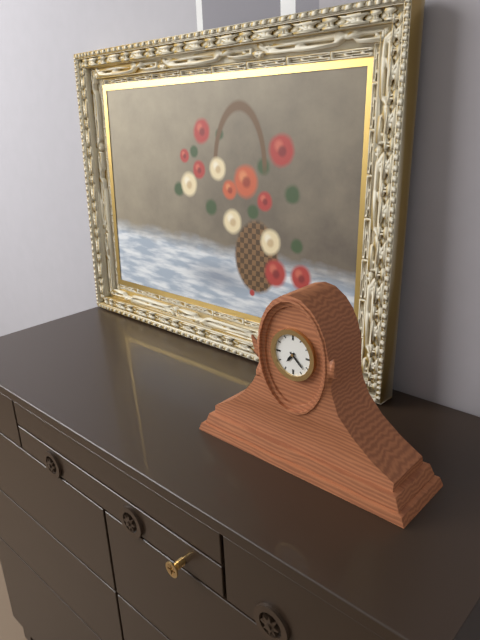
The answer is **7:22**
